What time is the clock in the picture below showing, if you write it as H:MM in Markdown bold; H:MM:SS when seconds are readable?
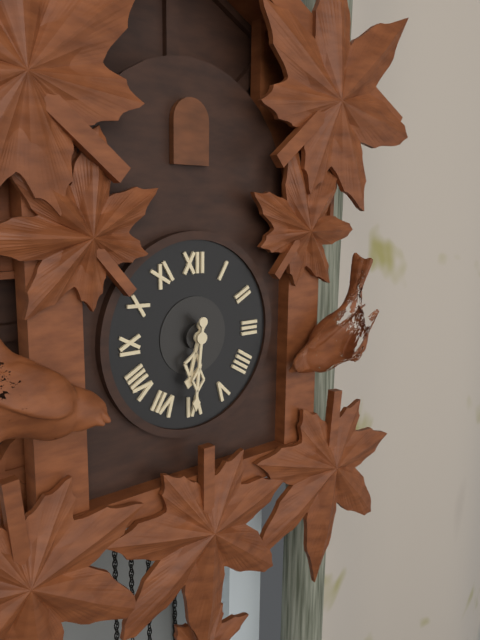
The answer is **6:31**
